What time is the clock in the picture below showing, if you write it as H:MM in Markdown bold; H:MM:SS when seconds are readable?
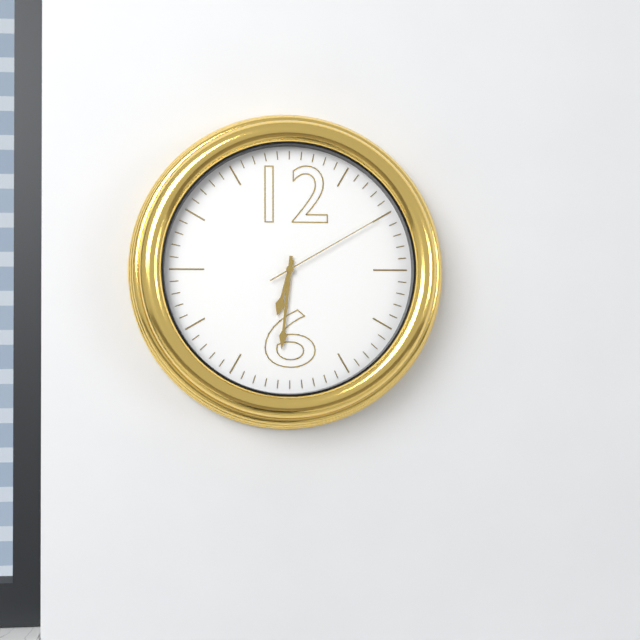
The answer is **6:31:10**
